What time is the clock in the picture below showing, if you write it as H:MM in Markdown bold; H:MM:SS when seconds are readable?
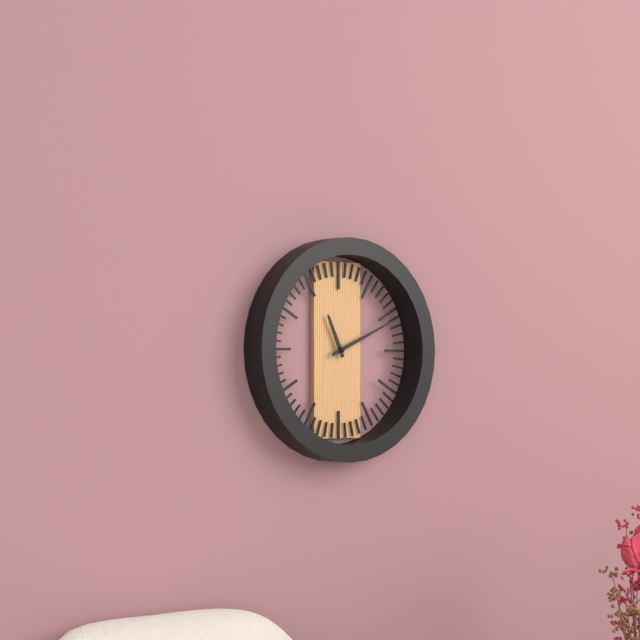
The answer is **11:11**
